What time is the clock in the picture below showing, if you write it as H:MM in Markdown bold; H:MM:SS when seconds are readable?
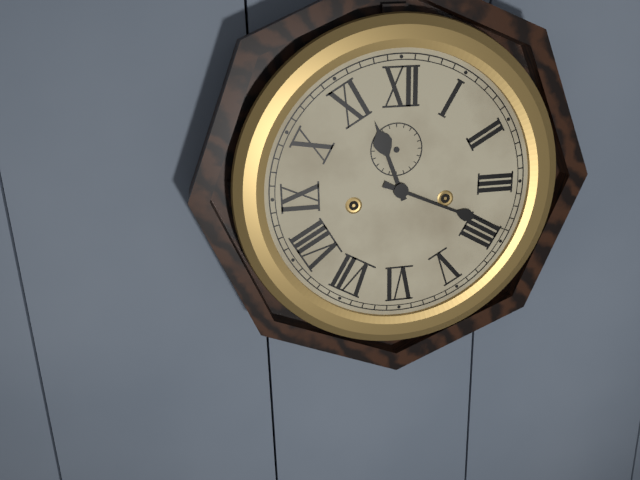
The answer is **11:19**
